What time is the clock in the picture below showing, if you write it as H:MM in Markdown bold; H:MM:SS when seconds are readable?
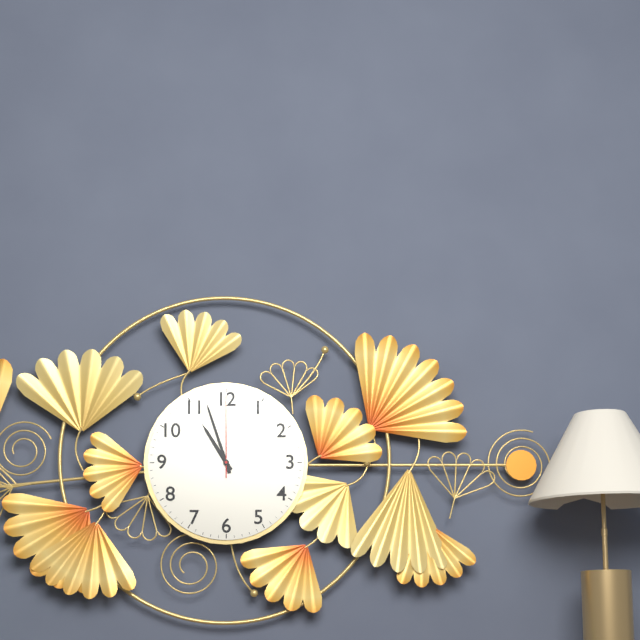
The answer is **10:57:00**
